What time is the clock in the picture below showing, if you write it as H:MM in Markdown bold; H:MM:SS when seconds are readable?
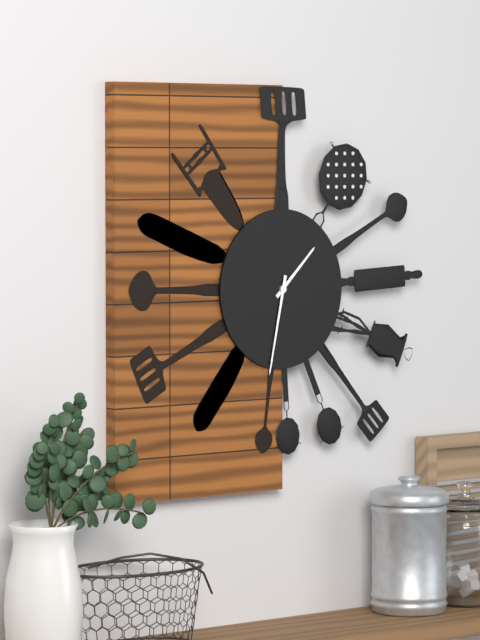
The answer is **1:32**
